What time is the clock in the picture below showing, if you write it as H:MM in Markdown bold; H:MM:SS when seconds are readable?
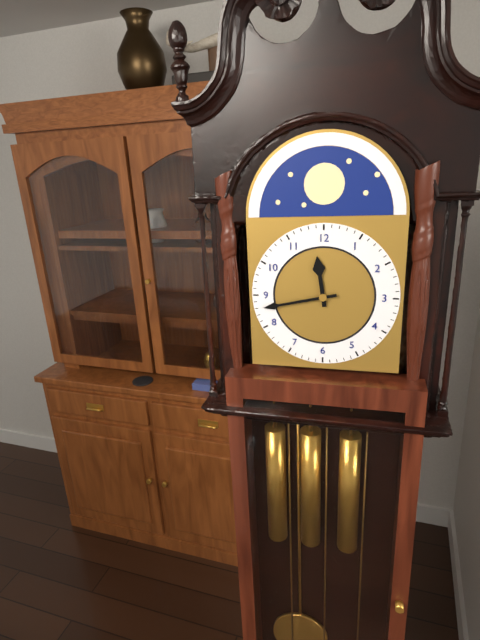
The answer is **11:43**
